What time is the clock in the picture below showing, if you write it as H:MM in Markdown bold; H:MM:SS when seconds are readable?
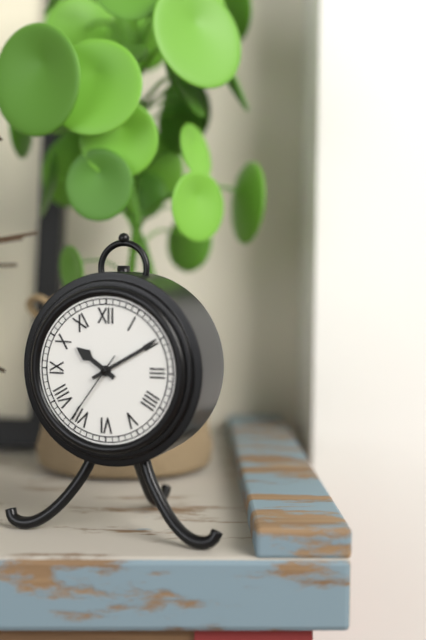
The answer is **10:10:36**
